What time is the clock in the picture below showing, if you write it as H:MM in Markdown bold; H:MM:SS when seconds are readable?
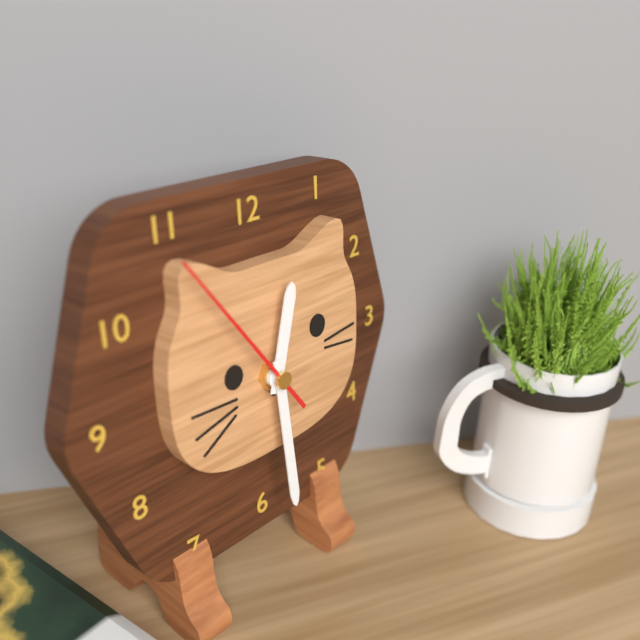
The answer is **12:29:54**
